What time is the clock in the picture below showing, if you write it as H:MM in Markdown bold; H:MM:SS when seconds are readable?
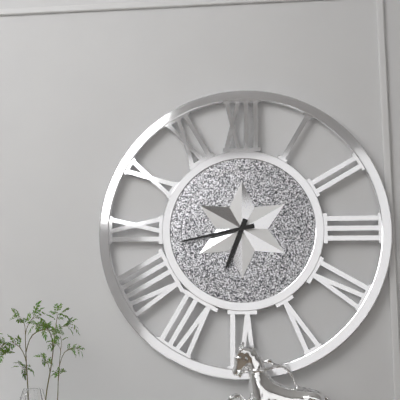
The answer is **6:43**
